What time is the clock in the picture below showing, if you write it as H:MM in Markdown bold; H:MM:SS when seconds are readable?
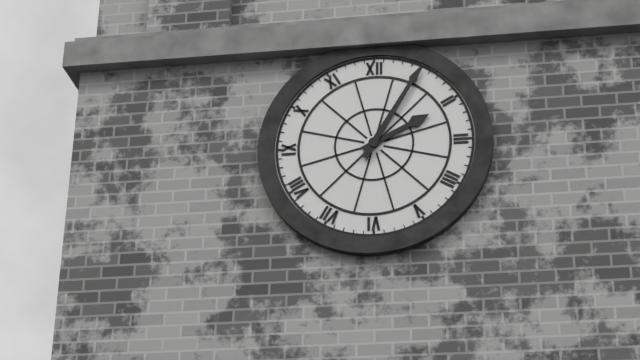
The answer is **2:05**
